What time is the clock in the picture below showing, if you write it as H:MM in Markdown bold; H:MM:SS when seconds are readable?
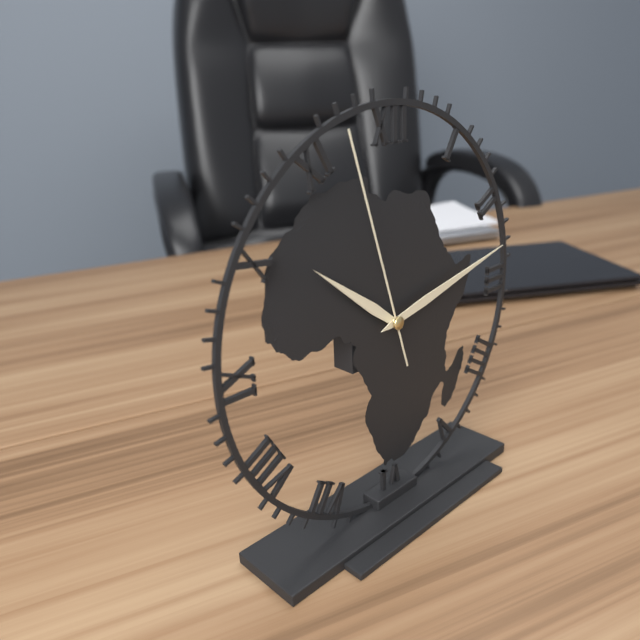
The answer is **10:13:57**
